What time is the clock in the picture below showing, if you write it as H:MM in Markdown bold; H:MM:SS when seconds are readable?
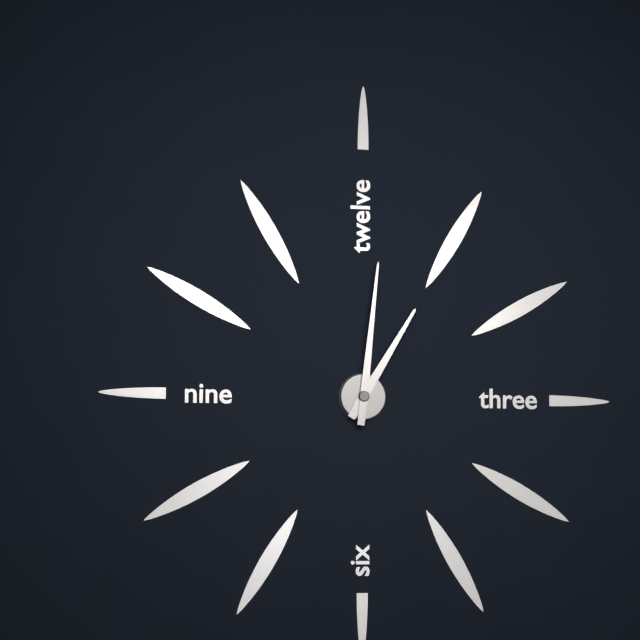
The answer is **1:01**
